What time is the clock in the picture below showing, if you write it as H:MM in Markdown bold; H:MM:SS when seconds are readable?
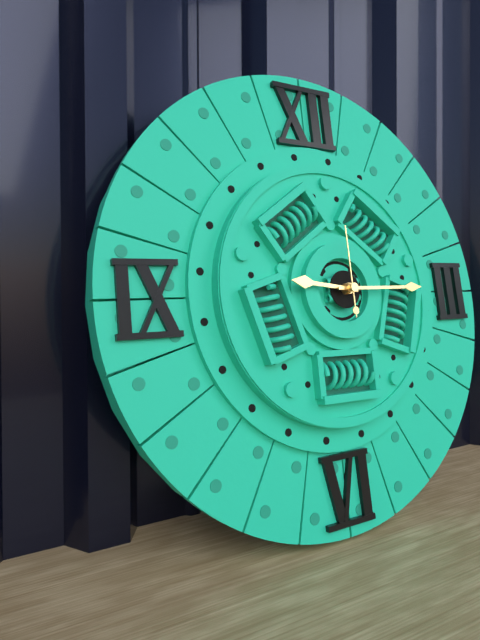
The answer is **9:15:00**
